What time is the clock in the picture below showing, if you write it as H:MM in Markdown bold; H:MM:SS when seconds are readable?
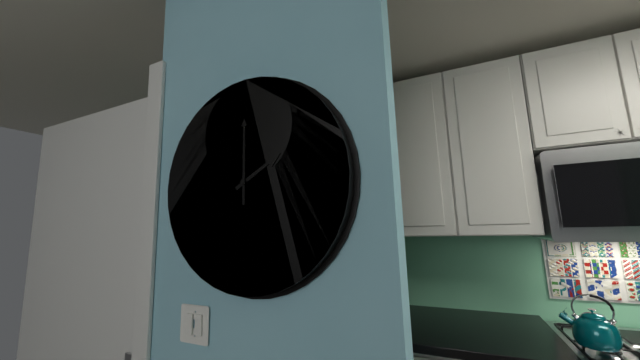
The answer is **2:00**
